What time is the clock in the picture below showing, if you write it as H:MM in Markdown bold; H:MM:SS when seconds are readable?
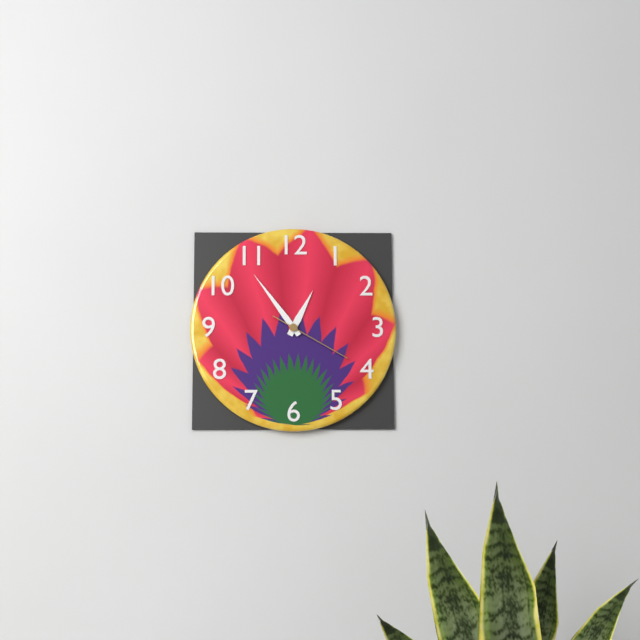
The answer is **12:54:20**
